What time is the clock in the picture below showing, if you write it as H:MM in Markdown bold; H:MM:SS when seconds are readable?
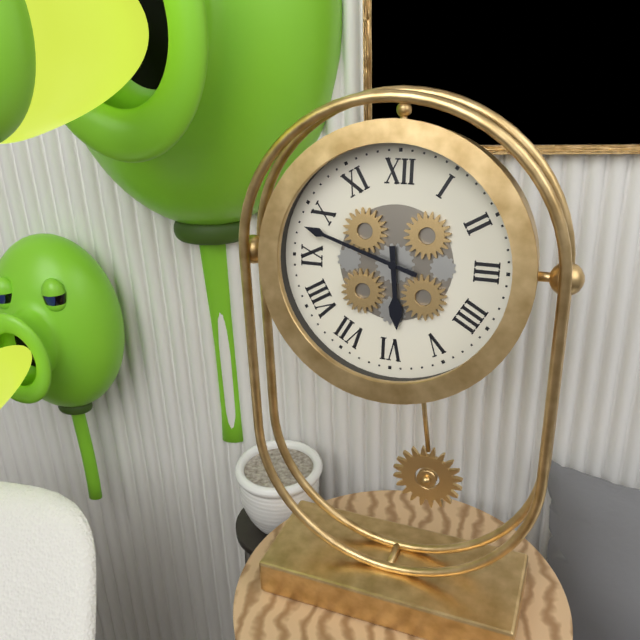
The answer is **5:48**
